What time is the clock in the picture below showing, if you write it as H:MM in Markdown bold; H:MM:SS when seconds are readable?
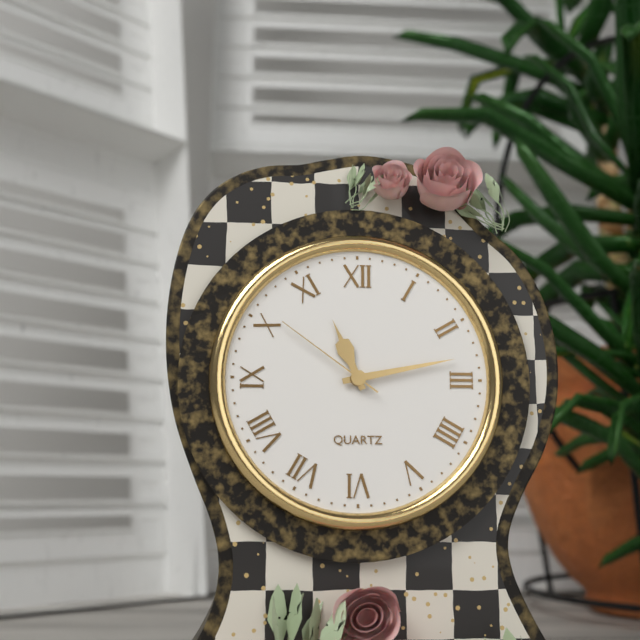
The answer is **11:13:51**
